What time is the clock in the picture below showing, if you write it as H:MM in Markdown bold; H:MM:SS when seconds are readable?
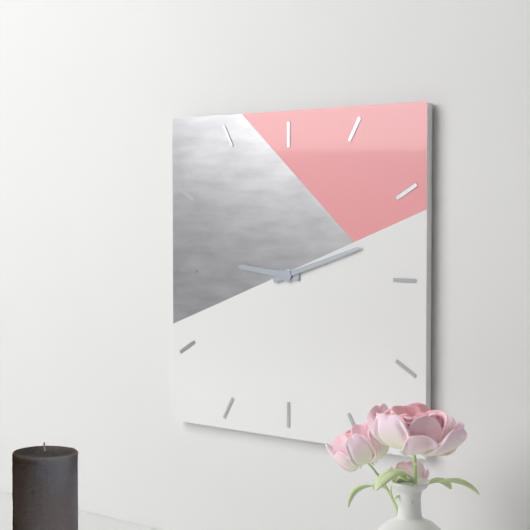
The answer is **9:12**
